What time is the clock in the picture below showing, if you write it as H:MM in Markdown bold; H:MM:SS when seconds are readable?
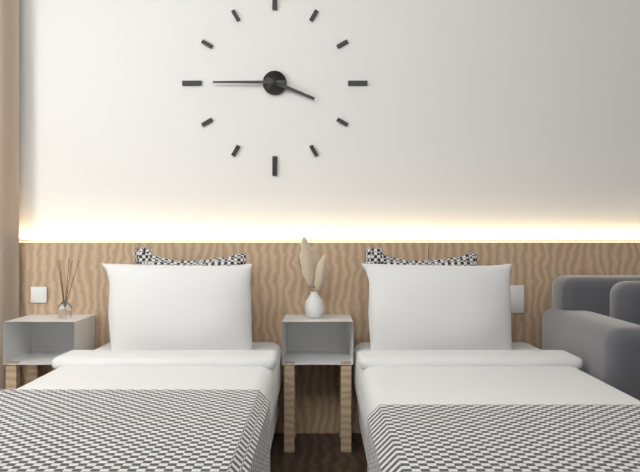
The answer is **3:45**
